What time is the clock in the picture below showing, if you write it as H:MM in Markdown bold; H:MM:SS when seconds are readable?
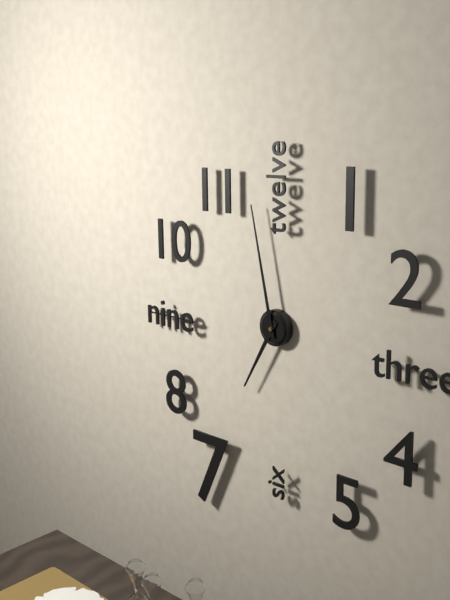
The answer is **6:58**
